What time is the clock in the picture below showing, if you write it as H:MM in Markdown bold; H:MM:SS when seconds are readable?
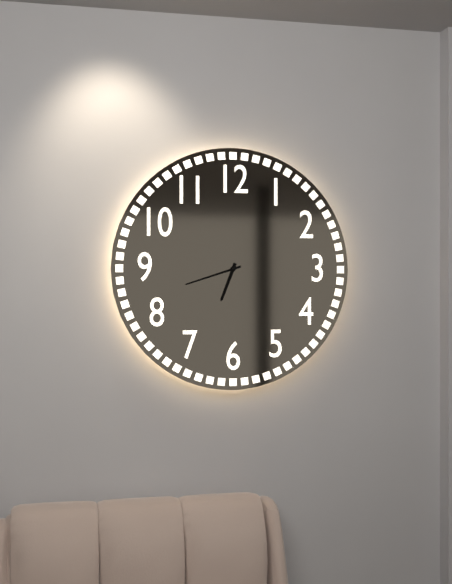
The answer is **6:42**
